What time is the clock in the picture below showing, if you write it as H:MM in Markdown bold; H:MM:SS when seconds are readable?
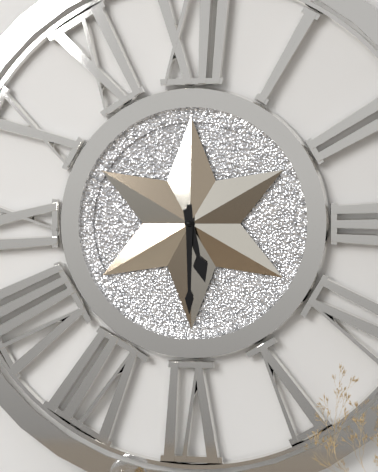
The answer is **5:30**
